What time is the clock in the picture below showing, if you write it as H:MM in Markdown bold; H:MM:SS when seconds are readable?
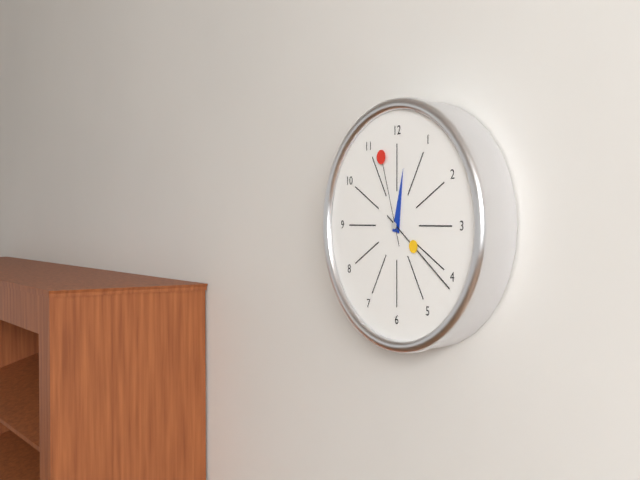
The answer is **12:21:57**
